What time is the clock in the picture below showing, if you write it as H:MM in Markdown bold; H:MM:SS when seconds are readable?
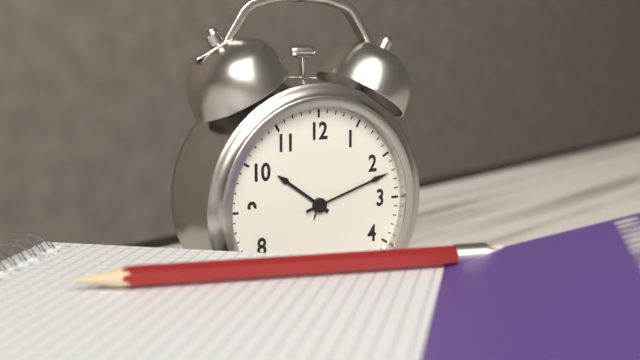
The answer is **10:12**
